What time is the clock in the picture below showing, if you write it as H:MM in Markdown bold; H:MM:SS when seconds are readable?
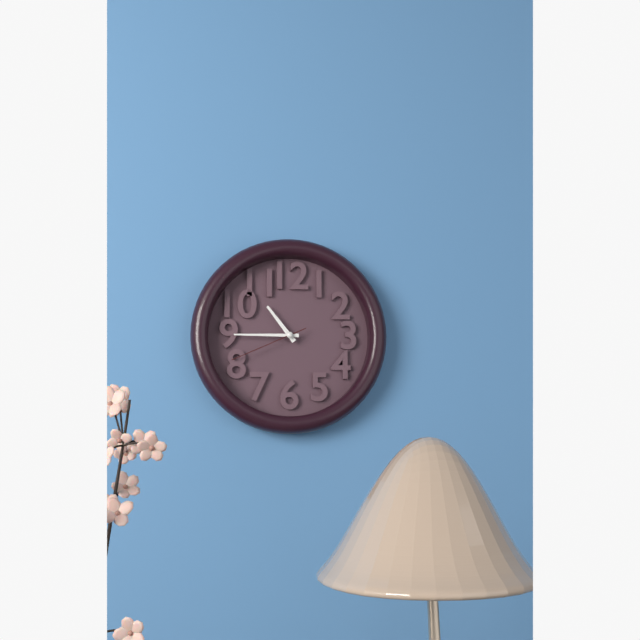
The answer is **10:45:41**
